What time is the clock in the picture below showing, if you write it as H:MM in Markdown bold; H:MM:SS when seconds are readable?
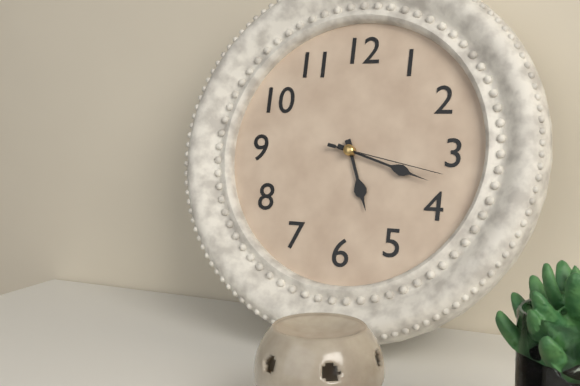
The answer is **5:18:17**
